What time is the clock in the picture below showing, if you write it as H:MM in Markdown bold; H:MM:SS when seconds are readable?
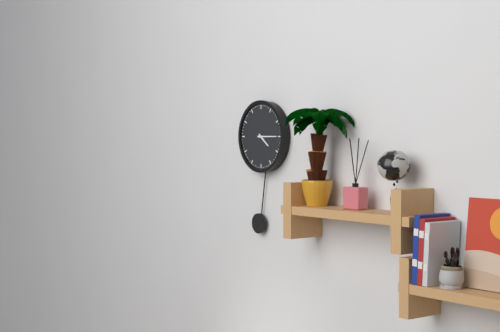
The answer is **4:15**
